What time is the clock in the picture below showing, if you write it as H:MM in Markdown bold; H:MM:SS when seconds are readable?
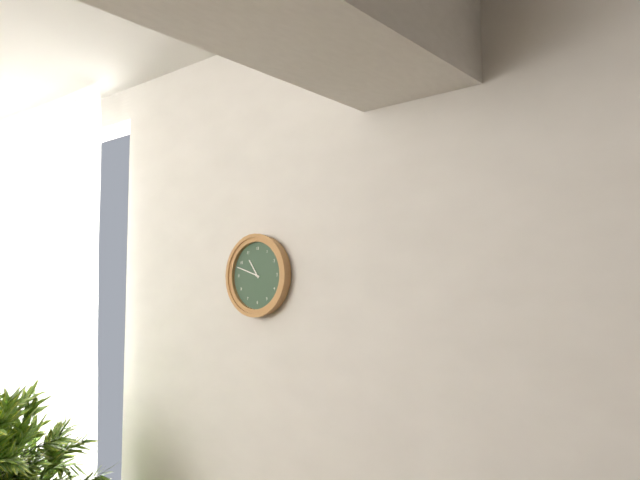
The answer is **10:48**
